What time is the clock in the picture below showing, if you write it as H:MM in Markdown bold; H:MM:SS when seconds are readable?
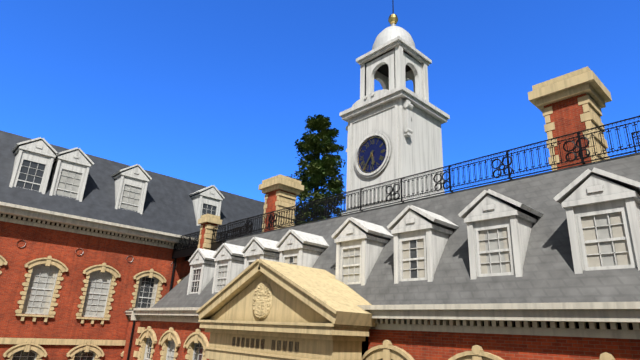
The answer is **5:36**
